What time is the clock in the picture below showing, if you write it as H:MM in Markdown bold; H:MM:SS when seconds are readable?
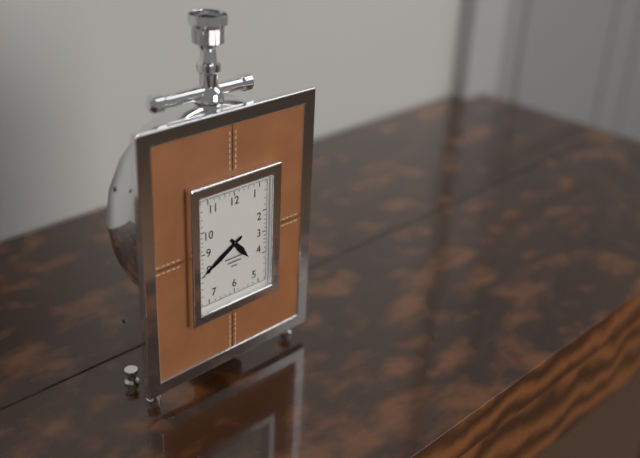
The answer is **4:40**
